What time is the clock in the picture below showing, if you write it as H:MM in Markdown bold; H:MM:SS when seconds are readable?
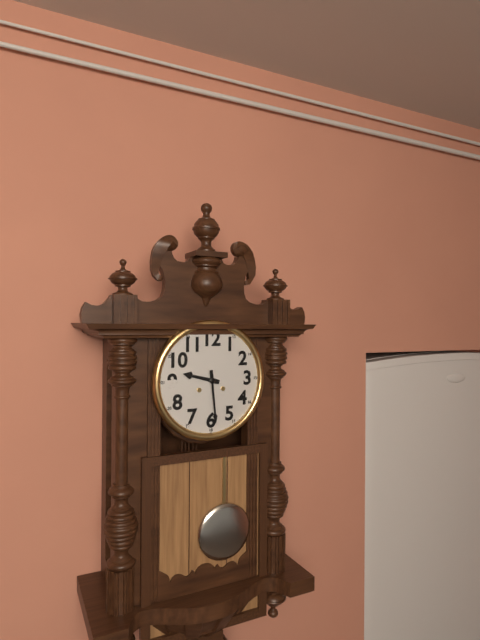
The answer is **9:29**
